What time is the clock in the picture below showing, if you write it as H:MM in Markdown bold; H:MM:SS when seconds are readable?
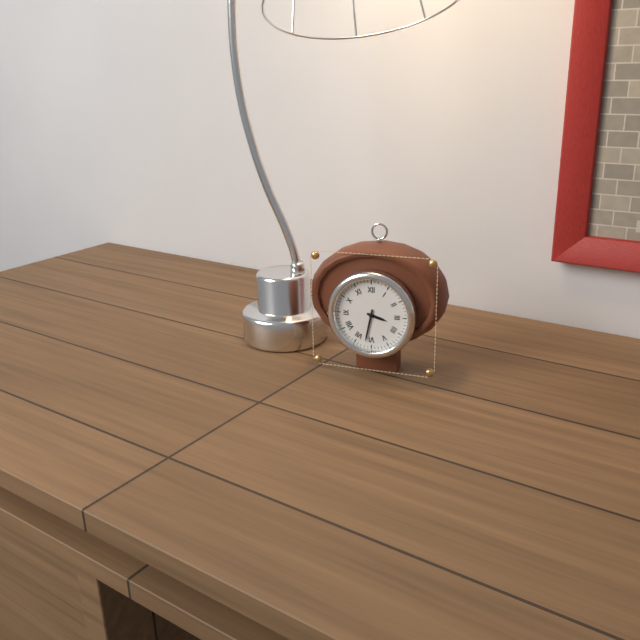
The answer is **3:32**
